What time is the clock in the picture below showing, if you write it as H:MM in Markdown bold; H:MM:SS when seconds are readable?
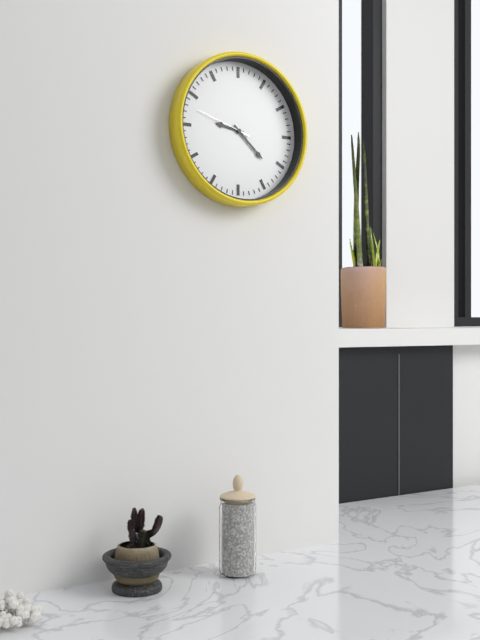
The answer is **9:22:48**
